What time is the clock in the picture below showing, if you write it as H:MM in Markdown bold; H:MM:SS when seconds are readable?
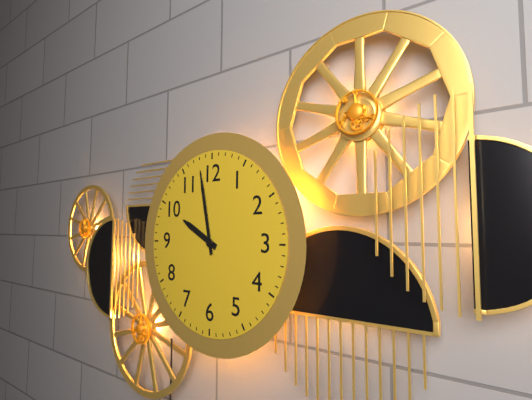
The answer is **9:58**
